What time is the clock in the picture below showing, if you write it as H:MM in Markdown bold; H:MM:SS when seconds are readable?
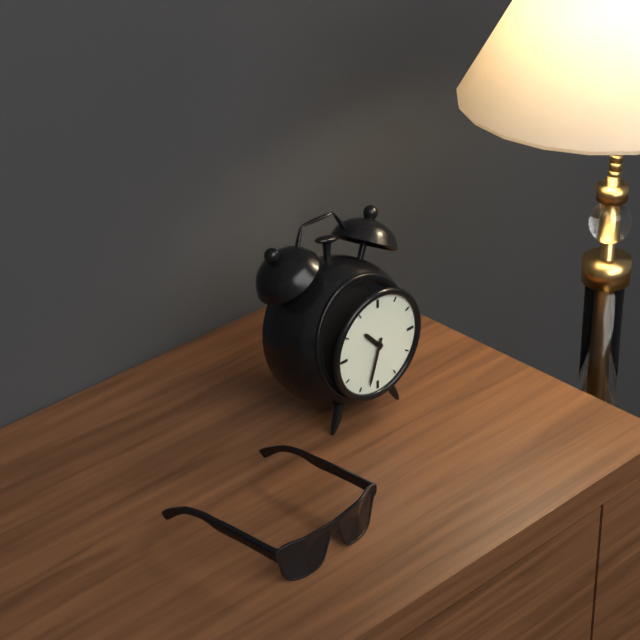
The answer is **10:33**
